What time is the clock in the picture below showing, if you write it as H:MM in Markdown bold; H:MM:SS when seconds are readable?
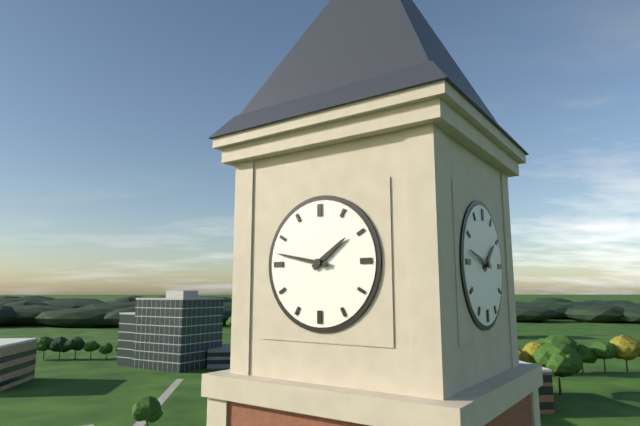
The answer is **1:47**
